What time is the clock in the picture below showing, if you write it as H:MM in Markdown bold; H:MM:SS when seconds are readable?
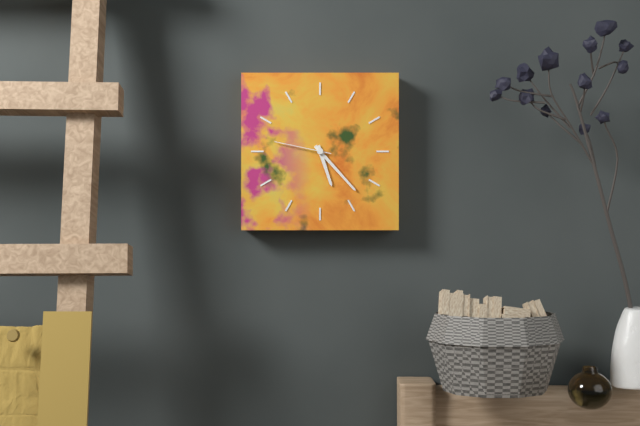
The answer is **5:23:47**
